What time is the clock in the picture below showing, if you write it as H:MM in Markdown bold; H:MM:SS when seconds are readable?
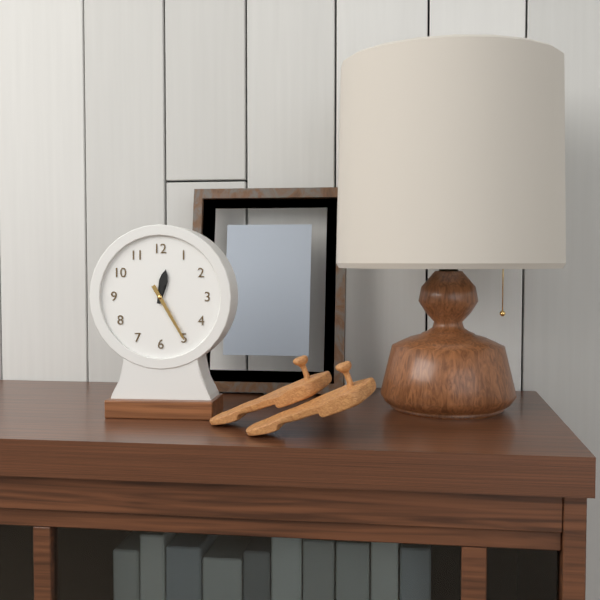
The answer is **12:25**
